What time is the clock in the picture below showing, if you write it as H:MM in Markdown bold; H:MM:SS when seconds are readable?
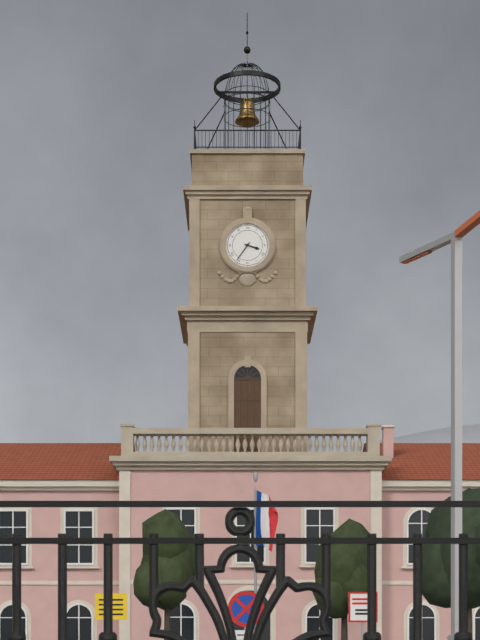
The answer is **3:36**
